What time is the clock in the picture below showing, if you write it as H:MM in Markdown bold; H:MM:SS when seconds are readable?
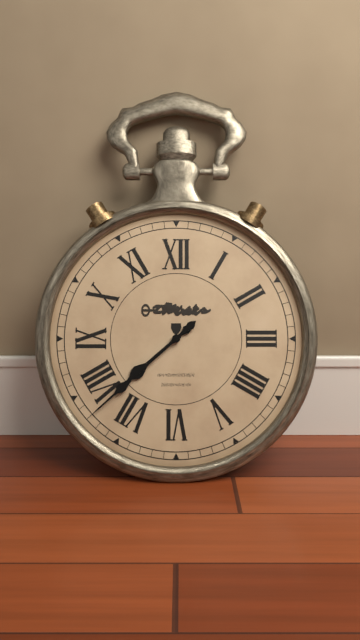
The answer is **7:38**
